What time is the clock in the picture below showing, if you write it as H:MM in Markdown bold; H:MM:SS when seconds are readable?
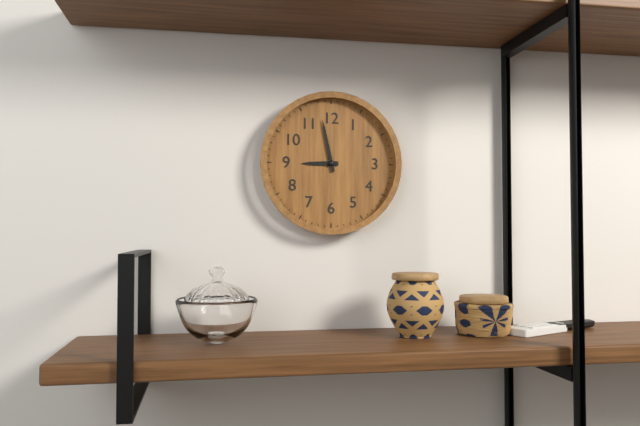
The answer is **8:58**
